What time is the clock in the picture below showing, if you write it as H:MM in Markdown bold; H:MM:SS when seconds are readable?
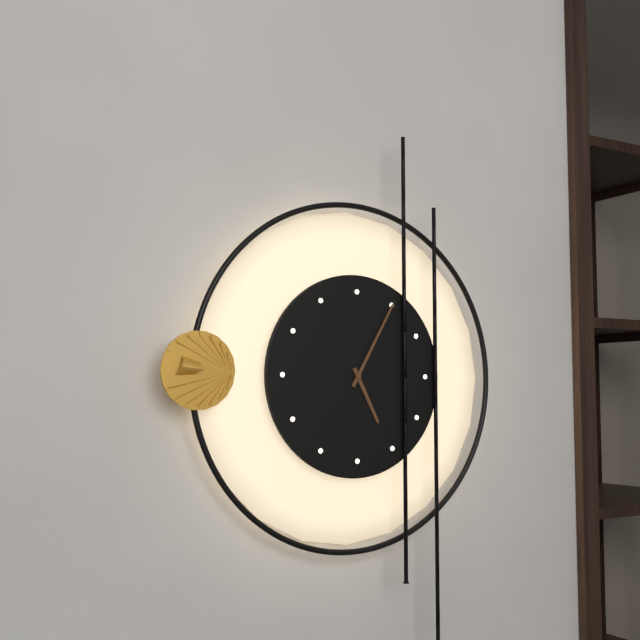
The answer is **5:05**
